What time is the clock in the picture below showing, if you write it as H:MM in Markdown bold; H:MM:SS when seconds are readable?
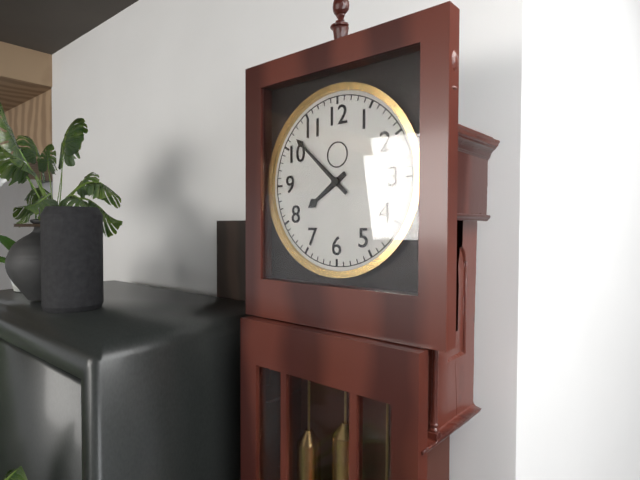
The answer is **7:52**
